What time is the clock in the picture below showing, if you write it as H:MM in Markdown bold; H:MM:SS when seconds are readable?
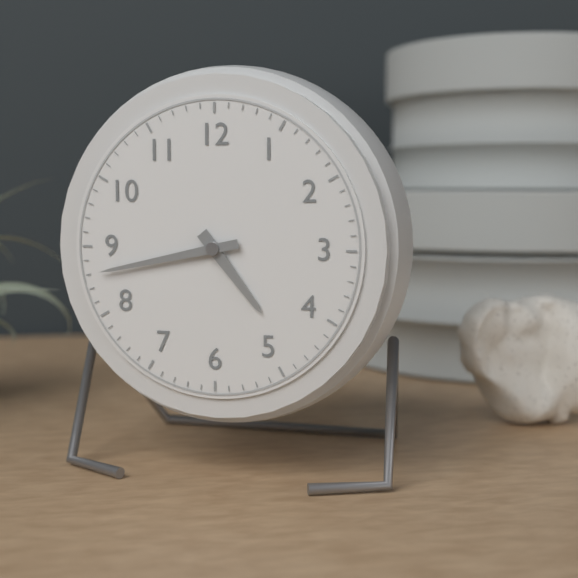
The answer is **4:43**
